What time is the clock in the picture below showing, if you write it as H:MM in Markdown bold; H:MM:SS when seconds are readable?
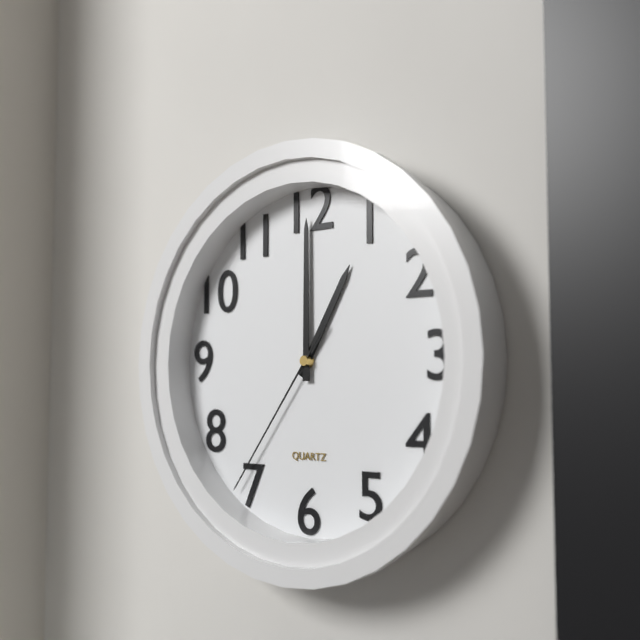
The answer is **1:00:36**
